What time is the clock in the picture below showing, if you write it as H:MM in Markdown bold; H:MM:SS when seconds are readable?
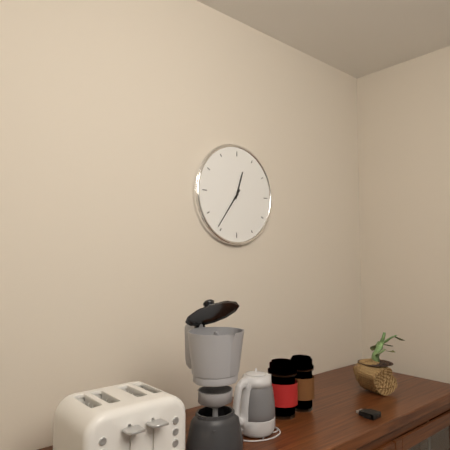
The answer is **12:36**
